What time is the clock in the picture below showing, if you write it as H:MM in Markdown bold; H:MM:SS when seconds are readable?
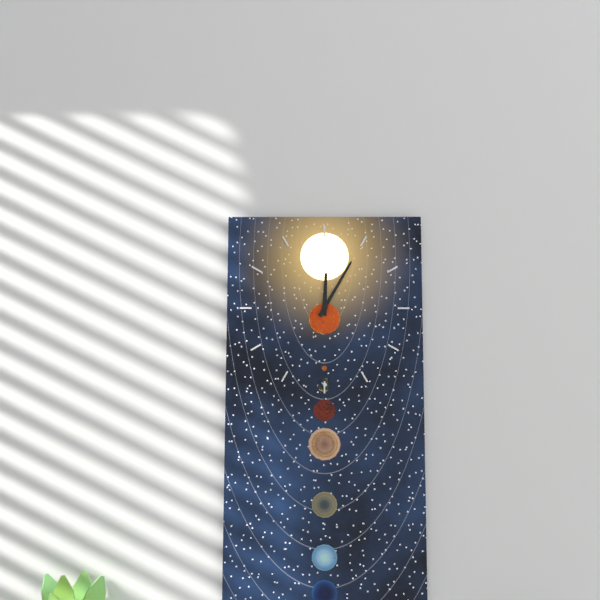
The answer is **12:05**
